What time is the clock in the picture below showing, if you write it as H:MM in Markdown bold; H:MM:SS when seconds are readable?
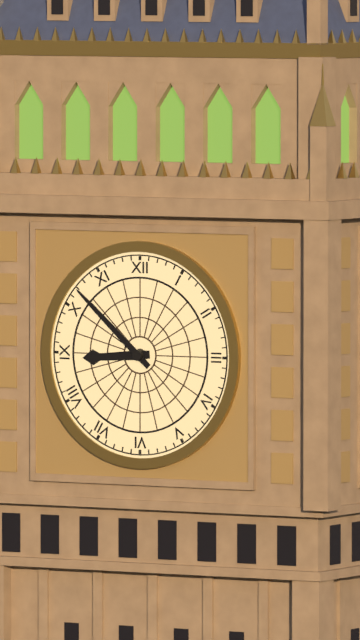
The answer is **8:52**
